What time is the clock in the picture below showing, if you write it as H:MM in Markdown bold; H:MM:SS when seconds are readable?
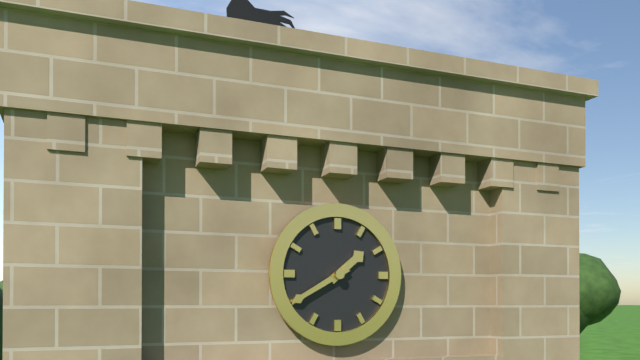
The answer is **1:40**
